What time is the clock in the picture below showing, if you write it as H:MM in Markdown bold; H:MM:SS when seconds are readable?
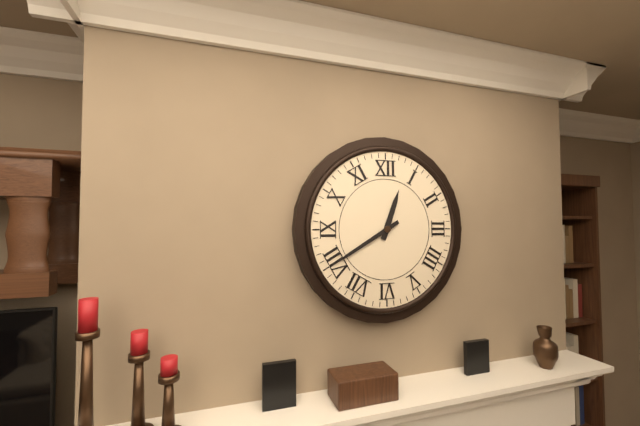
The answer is **12:40**
